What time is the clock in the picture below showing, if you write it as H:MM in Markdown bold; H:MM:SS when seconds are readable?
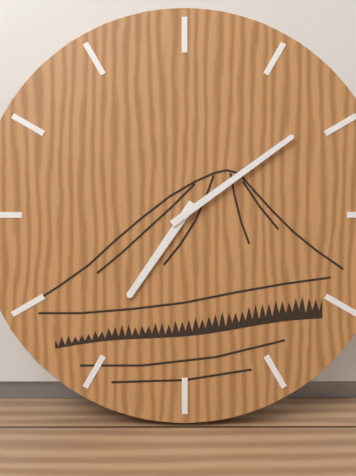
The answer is **7:09**
